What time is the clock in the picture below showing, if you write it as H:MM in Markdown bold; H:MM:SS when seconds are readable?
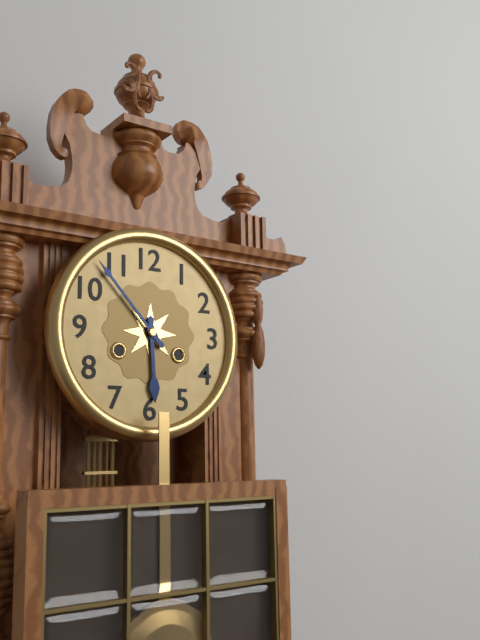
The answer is **5:53**
